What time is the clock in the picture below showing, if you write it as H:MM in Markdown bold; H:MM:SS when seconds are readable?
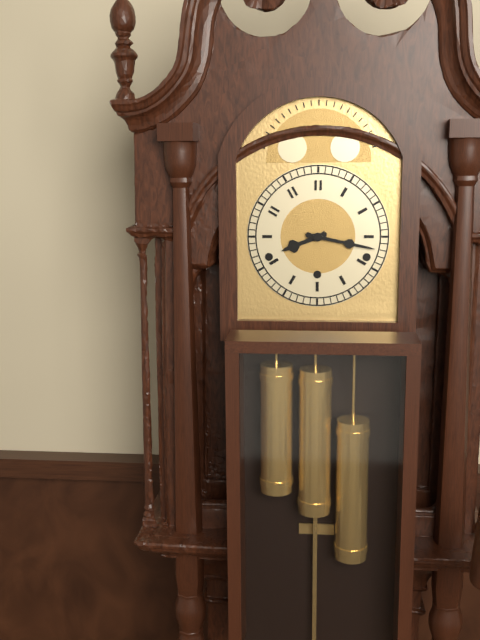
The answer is **8:17**
